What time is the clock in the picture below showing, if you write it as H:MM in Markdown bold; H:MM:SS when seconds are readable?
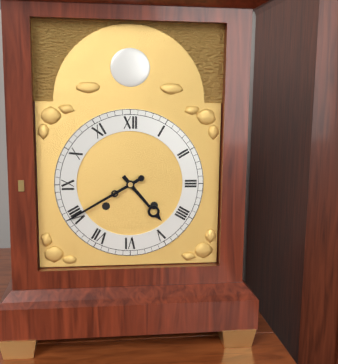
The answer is **4:40**
